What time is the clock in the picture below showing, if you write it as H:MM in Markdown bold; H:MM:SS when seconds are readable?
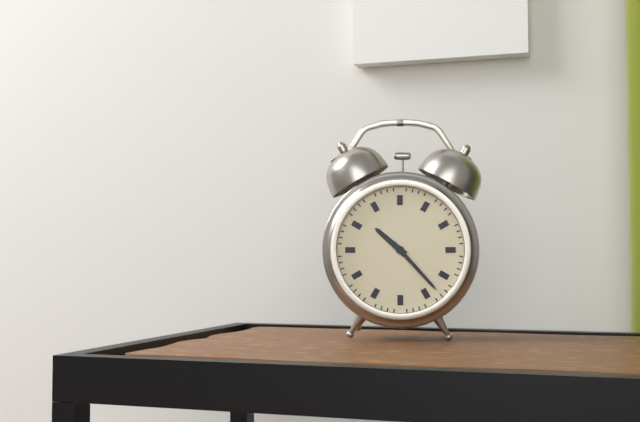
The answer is **10:23**
